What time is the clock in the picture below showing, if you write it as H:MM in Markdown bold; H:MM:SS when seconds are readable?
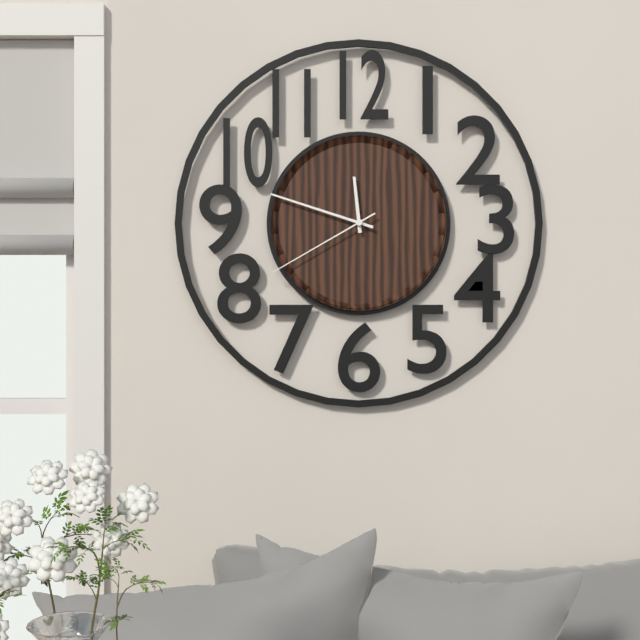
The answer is **11:48:40**
